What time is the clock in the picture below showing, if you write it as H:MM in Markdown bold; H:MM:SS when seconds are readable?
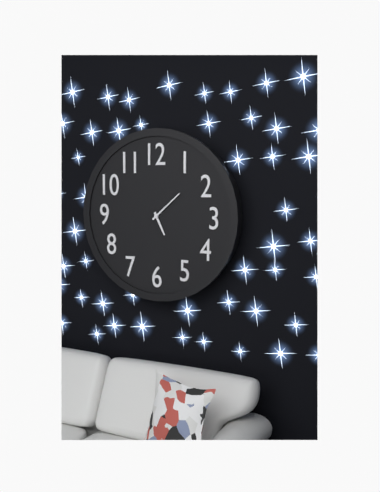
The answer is **5:08**
